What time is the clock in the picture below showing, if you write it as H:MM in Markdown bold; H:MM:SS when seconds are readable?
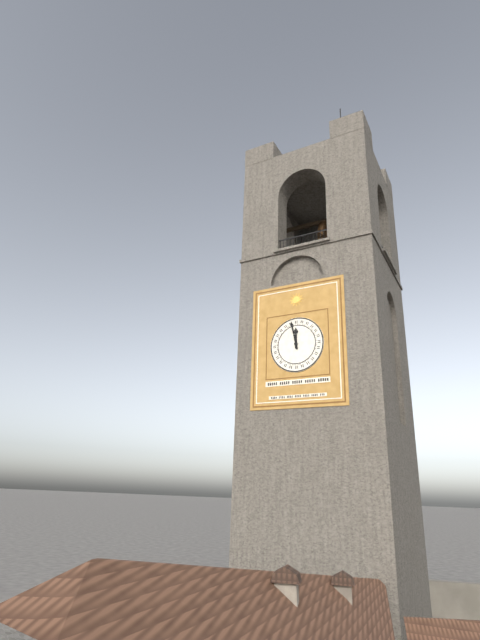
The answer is **11:58**
